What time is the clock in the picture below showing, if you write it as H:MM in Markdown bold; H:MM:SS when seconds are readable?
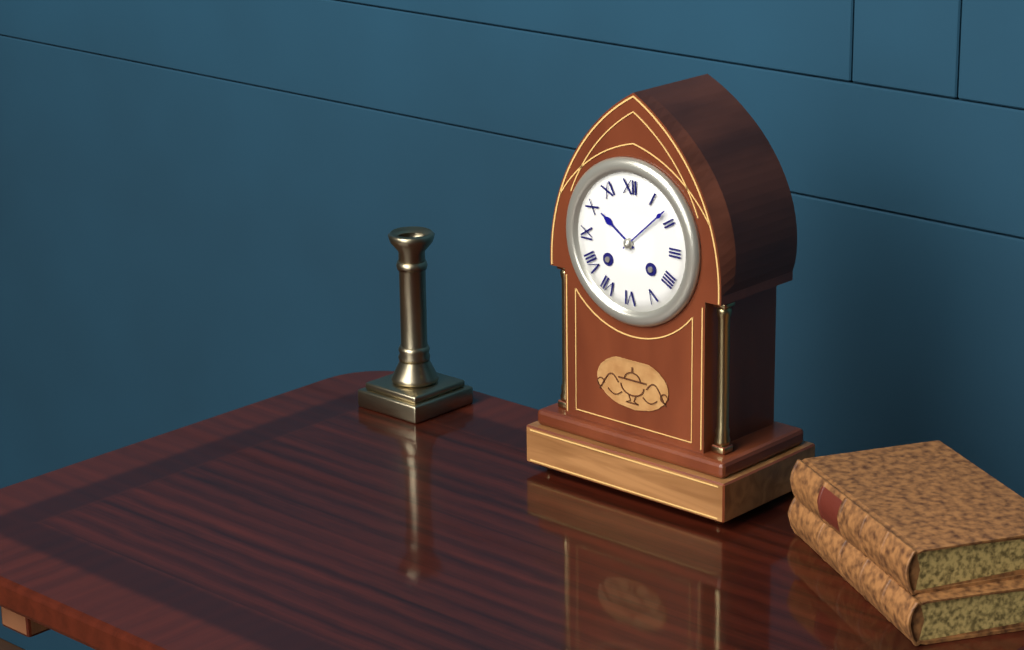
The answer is **10:08**
